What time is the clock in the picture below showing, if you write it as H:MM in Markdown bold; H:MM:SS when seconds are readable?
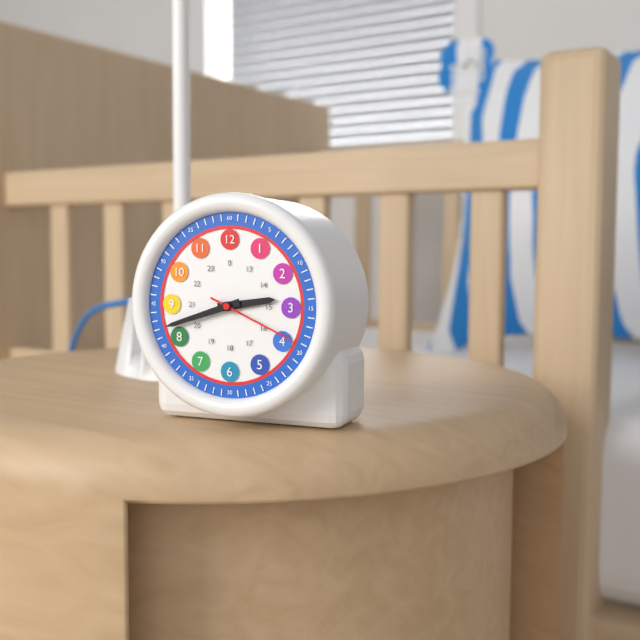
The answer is **2:42:19**
